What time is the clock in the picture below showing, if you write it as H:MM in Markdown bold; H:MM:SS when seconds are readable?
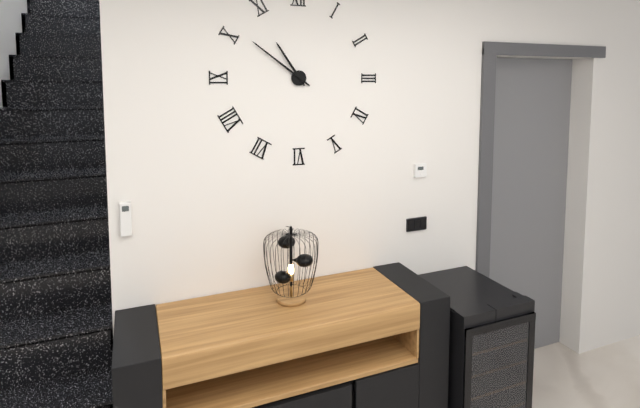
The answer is **10:51**
